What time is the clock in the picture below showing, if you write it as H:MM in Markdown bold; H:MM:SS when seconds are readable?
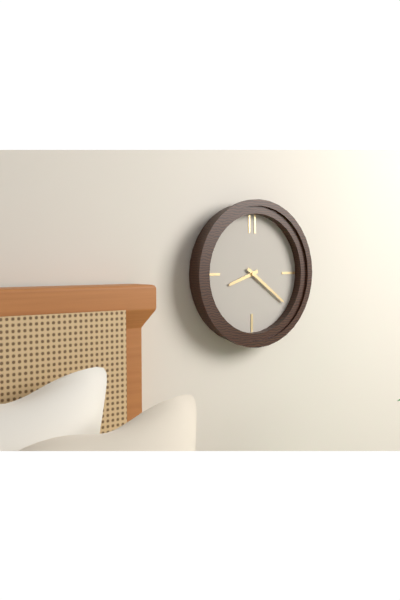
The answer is **8:21**
